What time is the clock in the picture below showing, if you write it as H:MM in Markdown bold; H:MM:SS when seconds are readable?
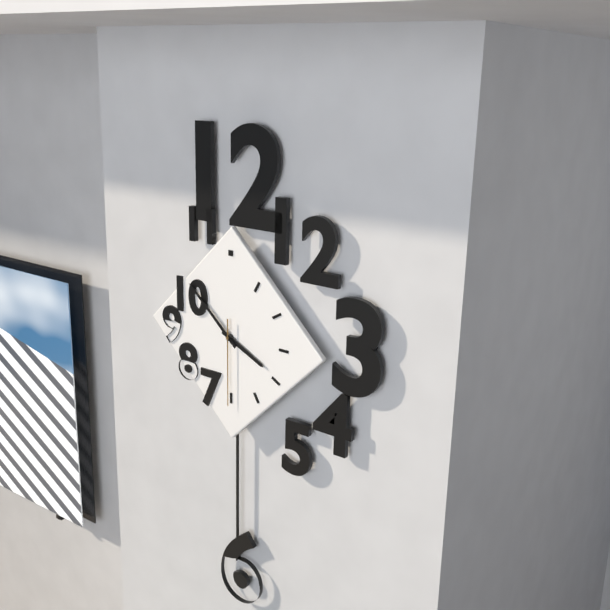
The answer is **3:52:30**
